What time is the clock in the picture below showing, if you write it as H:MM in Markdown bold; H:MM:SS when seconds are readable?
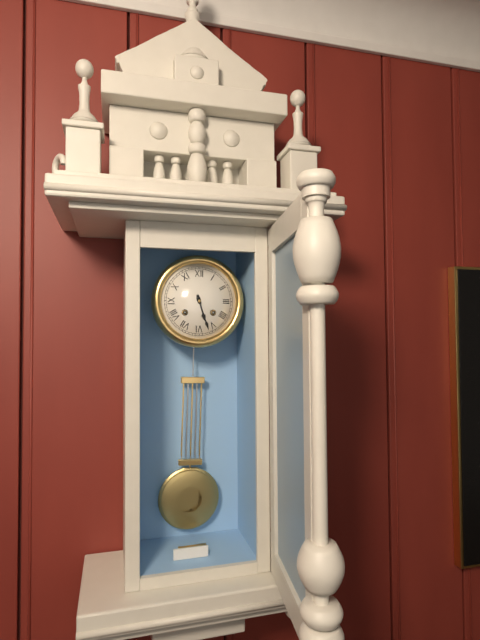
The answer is **5:27**
